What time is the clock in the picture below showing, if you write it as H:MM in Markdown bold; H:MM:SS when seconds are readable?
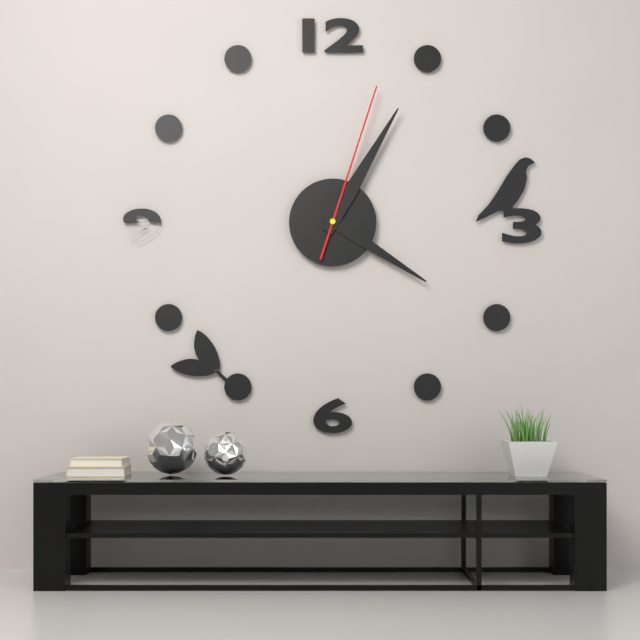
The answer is **4:05:03**
